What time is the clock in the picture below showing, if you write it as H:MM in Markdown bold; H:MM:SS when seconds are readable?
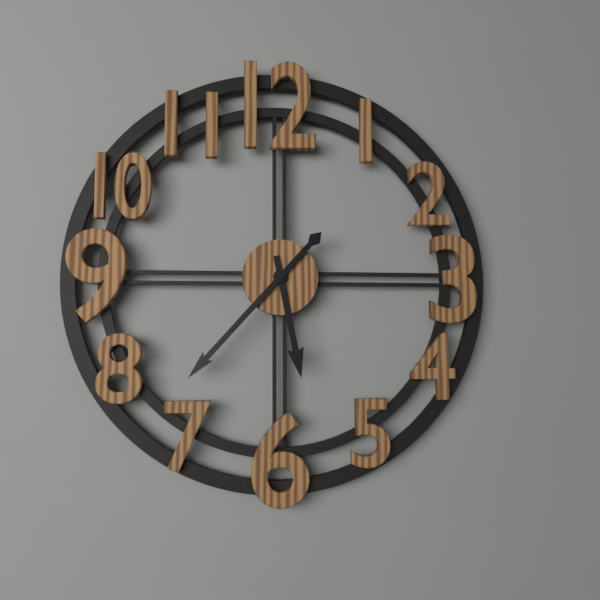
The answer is **5:37**
